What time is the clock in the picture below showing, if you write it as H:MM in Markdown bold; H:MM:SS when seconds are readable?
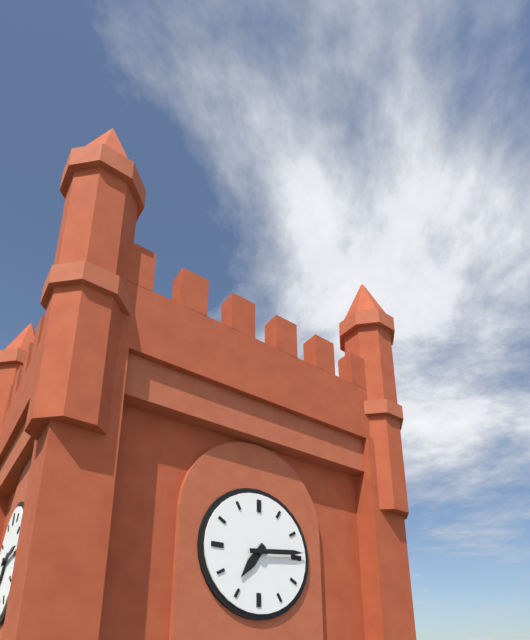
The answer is **7:14**
